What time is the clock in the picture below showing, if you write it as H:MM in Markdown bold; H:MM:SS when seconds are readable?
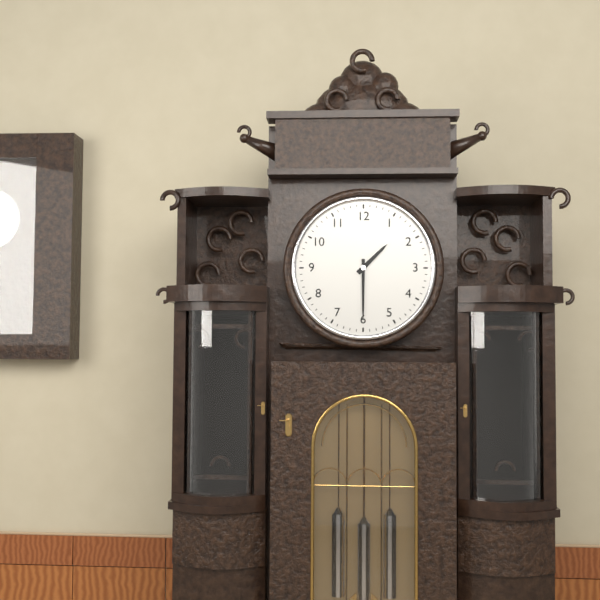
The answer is **1:30**
